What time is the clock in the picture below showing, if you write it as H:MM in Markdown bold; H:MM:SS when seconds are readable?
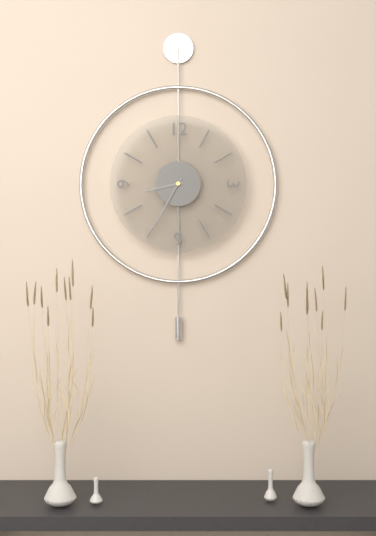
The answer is **8:35**
